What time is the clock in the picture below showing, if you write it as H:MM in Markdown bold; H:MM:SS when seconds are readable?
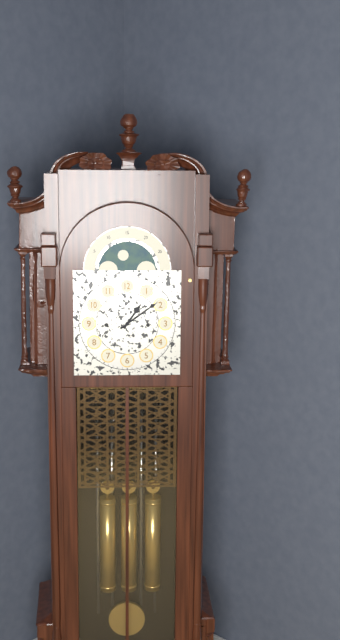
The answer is **1:09**
